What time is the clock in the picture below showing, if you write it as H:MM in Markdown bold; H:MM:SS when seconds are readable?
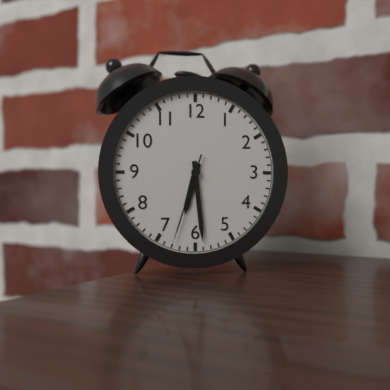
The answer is **6:29:33**
